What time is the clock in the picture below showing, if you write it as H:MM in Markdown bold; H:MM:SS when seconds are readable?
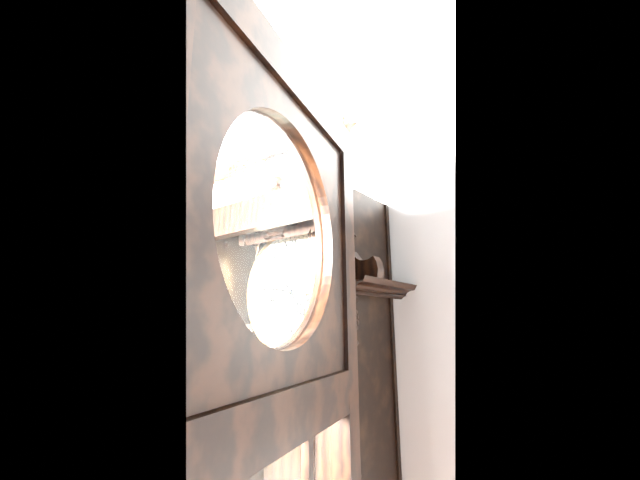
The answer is **4:46**
